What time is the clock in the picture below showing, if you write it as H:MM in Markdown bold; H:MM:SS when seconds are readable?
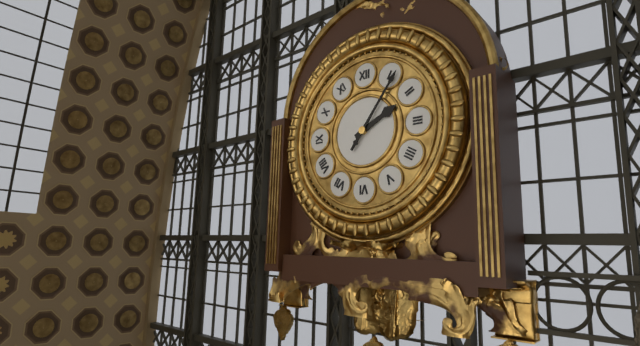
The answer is **2:06**
